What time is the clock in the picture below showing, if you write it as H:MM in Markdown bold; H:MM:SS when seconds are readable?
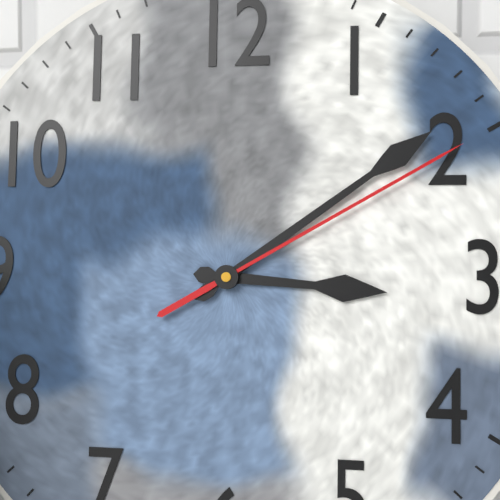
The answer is **3:09:10**
